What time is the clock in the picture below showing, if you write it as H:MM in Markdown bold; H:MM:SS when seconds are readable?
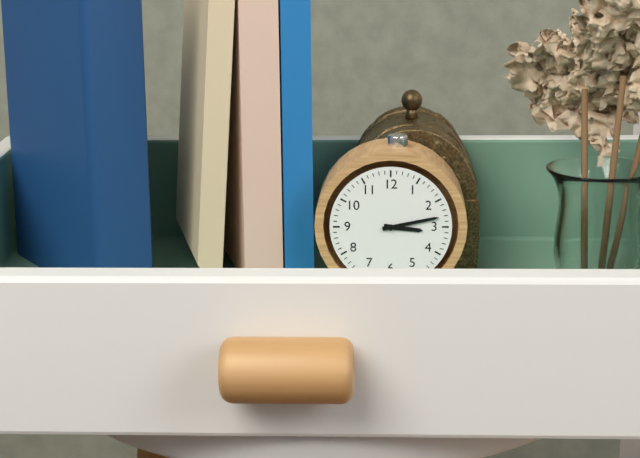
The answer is **3:13**
